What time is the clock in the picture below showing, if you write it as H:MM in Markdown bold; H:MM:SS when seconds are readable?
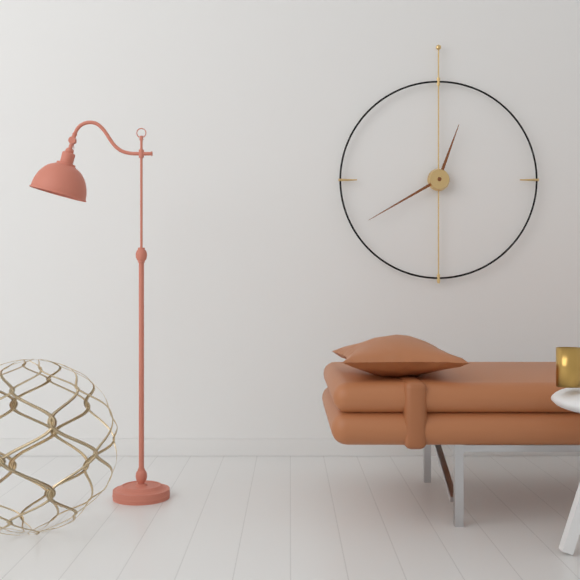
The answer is **12:40**
